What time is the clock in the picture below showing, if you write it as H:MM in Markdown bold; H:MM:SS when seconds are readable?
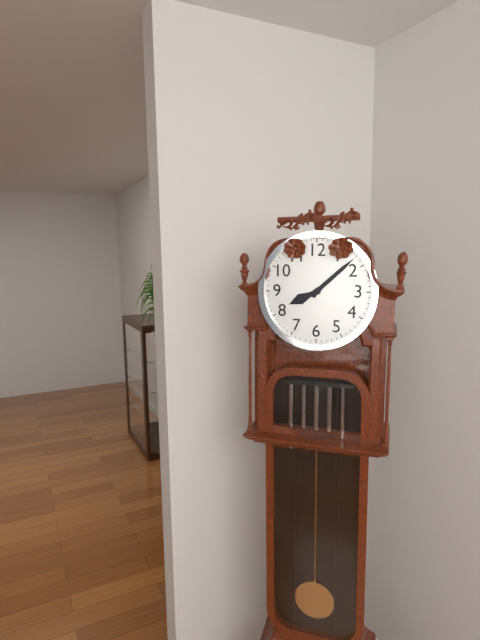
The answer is **8:08**
